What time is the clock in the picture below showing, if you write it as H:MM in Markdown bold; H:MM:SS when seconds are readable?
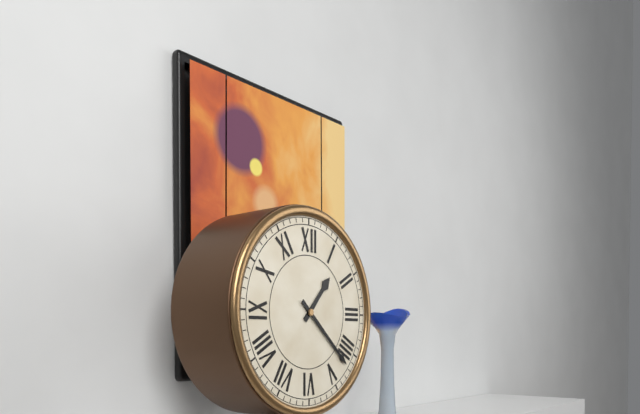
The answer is **1:22**
